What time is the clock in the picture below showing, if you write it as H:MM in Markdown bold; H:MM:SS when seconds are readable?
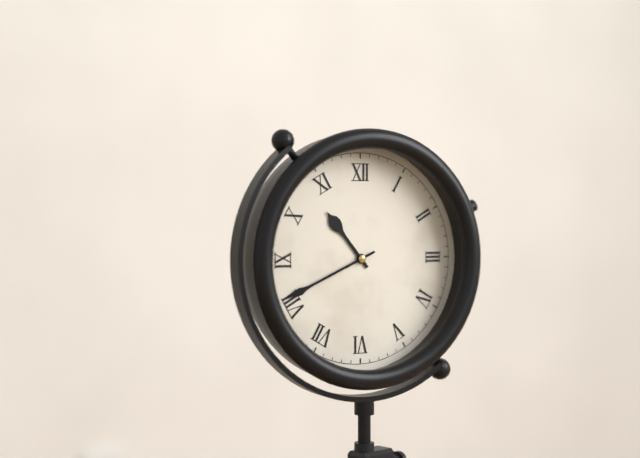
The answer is **10:41**
